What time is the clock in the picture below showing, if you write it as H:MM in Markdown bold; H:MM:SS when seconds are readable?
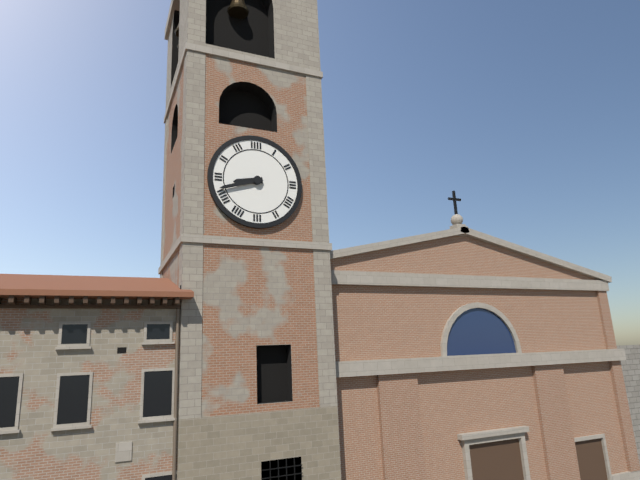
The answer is **8:42**
